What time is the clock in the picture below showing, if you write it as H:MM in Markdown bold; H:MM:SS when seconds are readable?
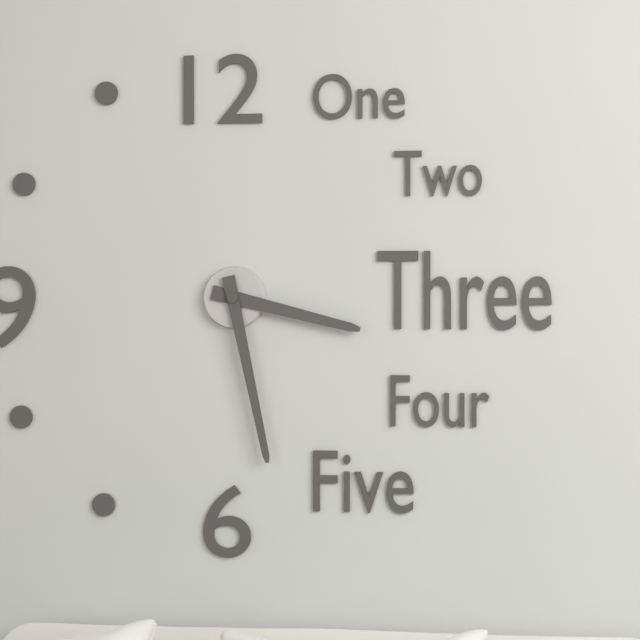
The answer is **3:28**
